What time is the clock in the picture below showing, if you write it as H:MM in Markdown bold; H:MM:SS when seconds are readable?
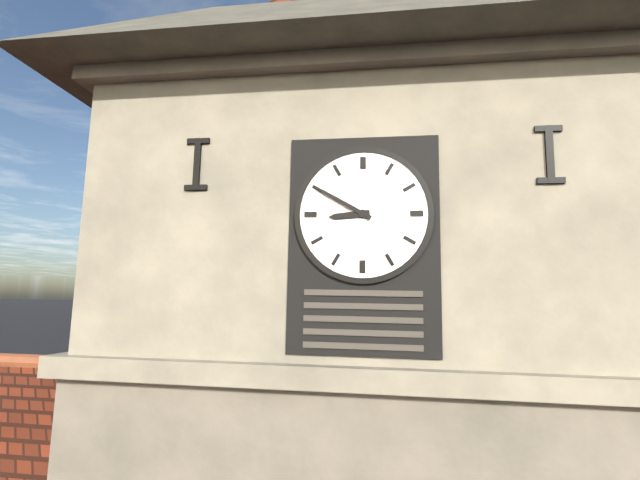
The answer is **8:50**
